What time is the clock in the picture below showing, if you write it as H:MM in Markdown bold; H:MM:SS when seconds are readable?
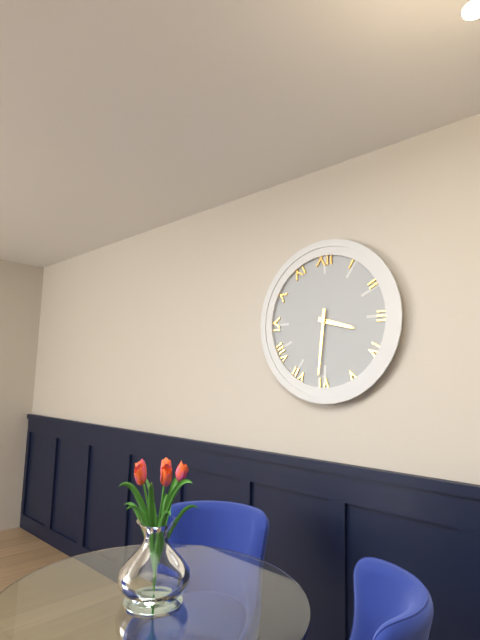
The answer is **3:31**
